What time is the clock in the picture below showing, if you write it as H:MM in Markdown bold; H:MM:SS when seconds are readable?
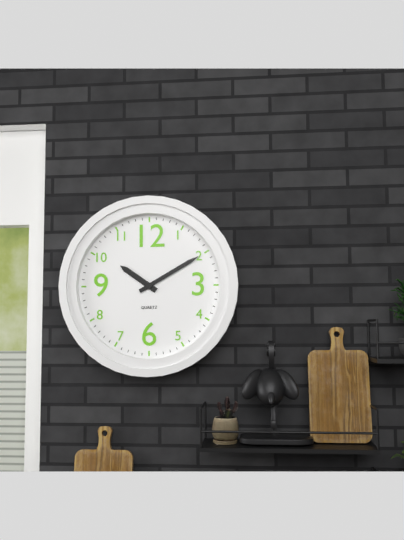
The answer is **10:10**
